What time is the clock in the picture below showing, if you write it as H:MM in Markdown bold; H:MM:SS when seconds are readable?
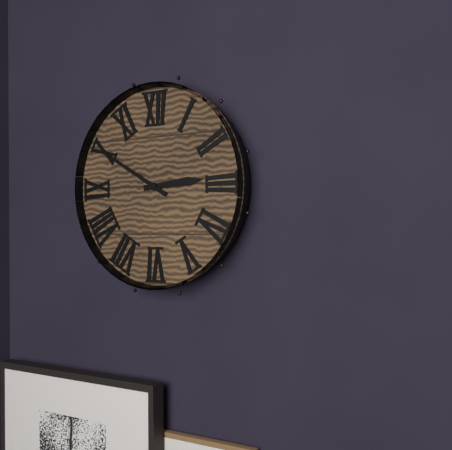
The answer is **2:50**
